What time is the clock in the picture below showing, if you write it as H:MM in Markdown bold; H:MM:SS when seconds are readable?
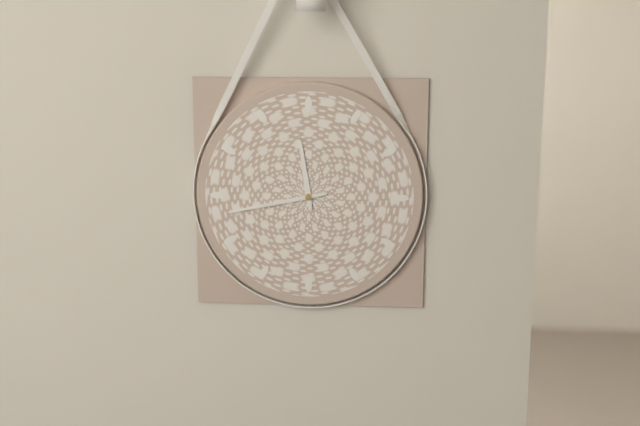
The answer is **11:43**
